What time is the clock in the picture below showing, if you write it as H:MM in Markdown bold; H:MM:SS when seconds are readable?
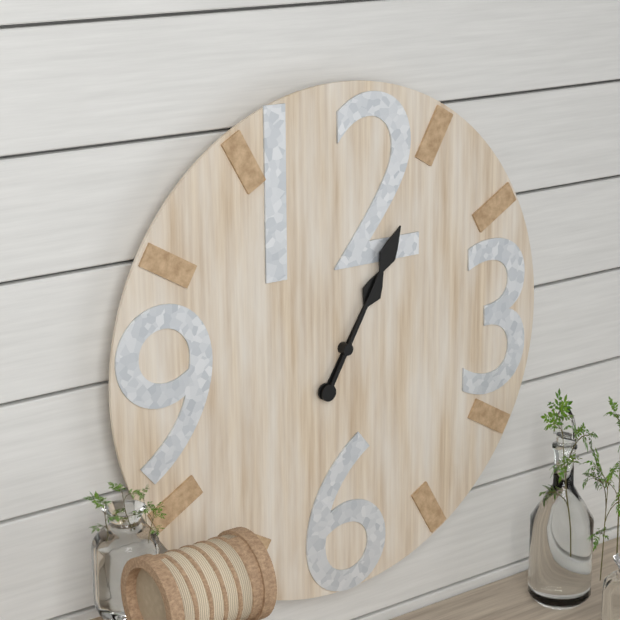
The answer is **1:05**
